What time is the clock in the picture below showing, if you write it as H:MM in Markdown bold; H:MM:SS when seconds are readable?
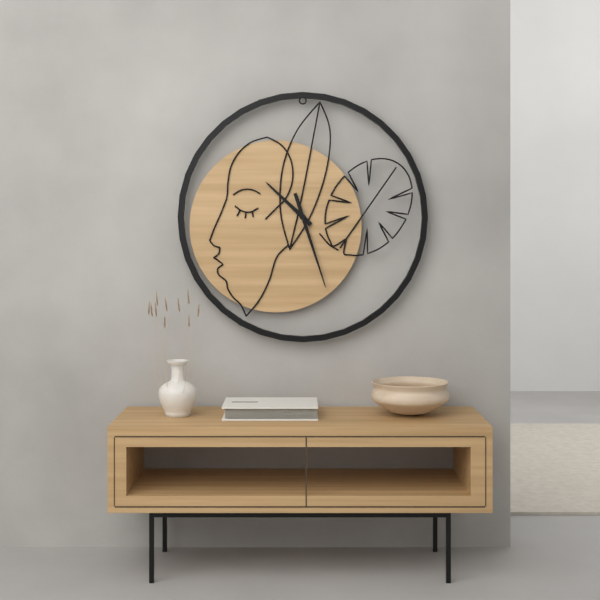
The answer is **10:27**
